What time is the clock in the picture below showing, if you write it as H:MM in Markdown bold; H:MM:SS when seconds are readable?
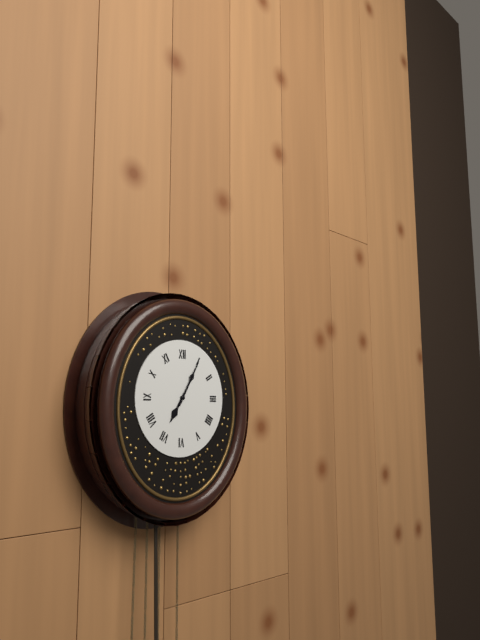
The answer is **7:05**
